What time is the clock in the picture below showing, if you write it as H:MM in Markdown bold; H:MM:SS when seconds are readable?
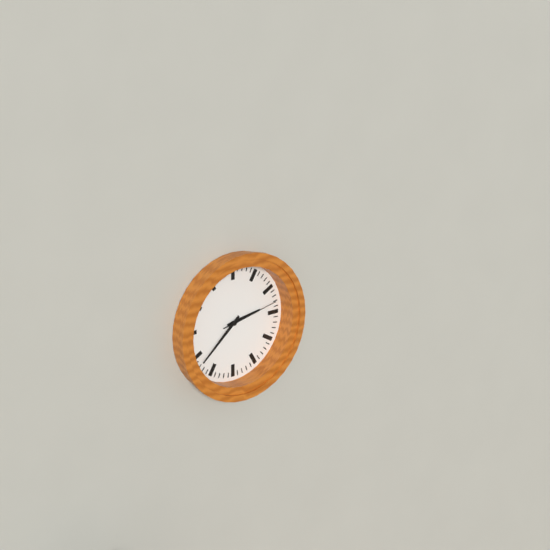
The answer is **2:38:13**
